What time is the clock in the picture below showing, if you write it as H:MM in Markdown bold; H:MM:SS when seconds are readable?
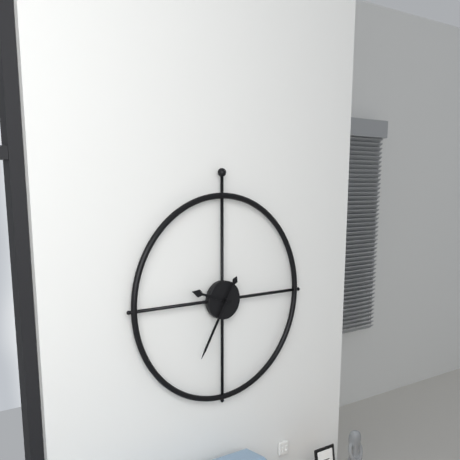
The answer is **9:35**
